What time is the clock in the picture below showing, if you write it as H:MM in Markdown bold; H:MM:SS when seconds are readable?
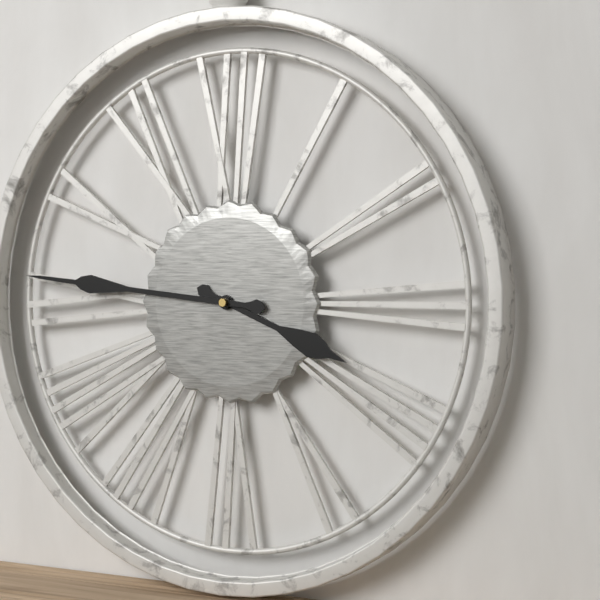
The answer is **3:46**
